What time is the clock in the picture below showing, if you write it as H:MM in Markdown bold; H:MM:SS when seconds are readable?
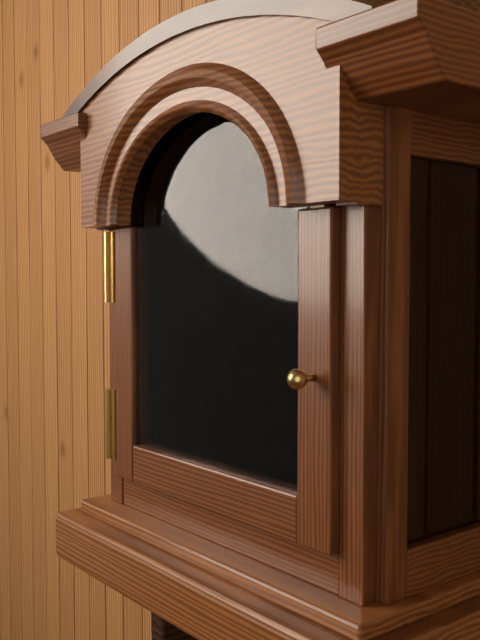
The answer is **10:22**
